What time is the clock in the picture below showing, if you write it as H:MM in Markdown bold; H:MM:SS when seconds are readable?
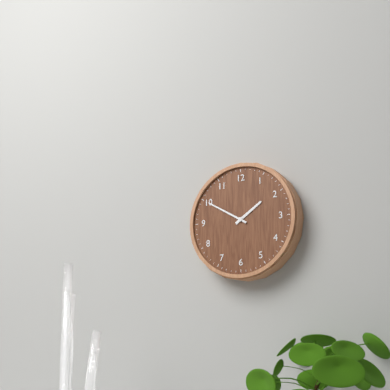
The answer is **1:50**
